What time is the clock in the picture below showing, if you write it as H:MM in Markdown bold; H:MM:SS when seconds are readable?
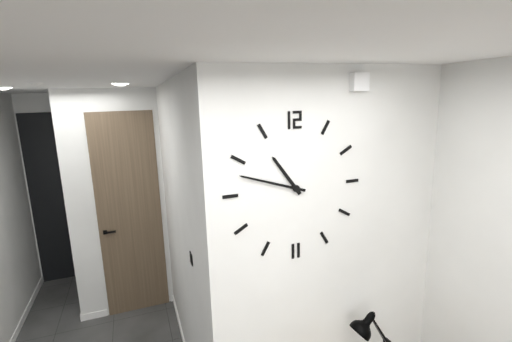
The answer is **10:48**
